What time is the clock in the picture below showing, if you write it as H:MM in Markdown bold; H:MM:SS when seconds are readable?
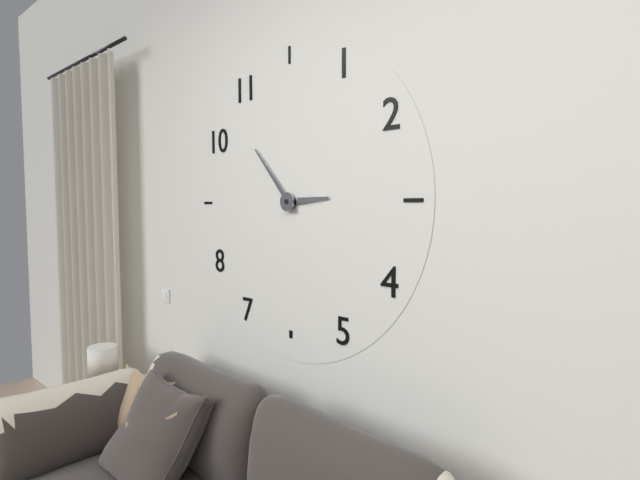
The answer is **2:53**
